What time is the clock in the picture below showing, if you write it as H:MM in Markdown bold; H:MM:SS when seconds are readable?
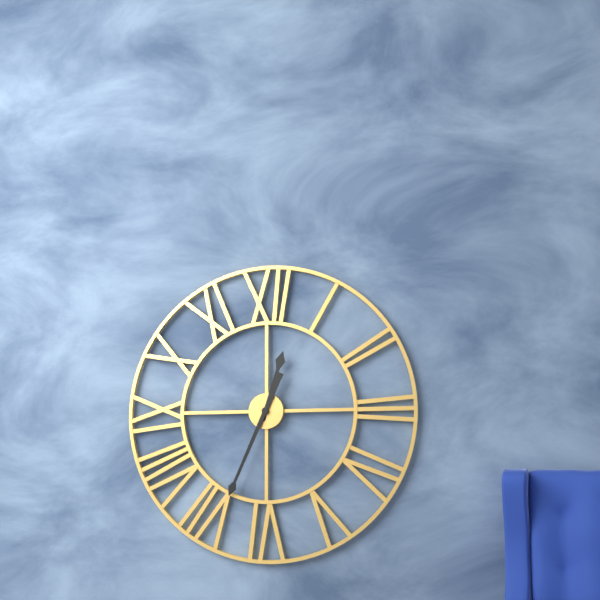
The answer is **12:34**
